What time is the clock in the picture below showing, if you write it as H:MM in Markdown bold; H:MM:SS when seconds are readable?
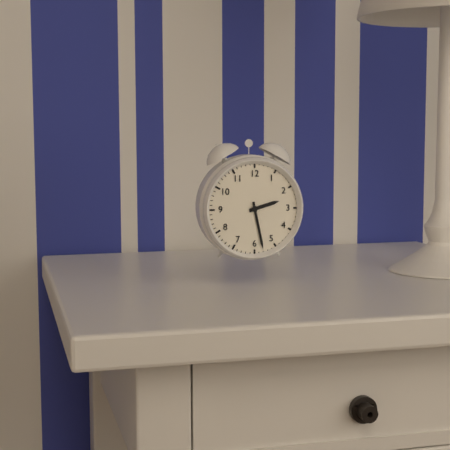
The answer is **2:28**
